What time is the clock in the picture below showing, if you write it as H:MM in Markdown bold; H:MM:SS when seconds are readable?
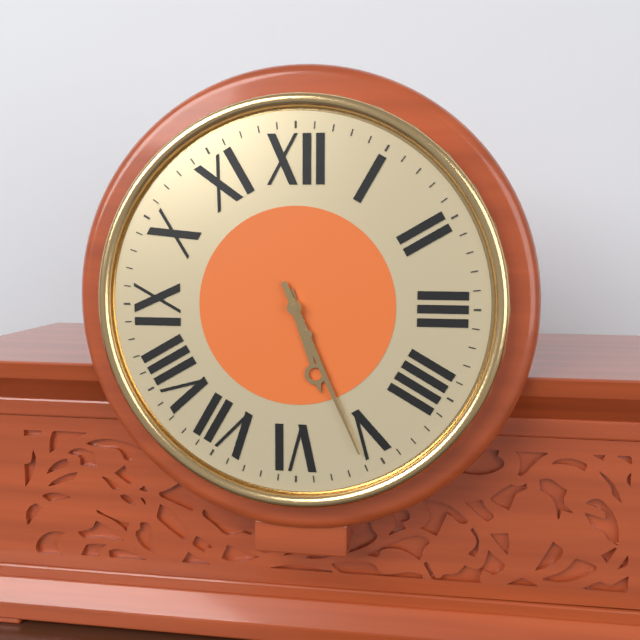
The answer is **5:26**
